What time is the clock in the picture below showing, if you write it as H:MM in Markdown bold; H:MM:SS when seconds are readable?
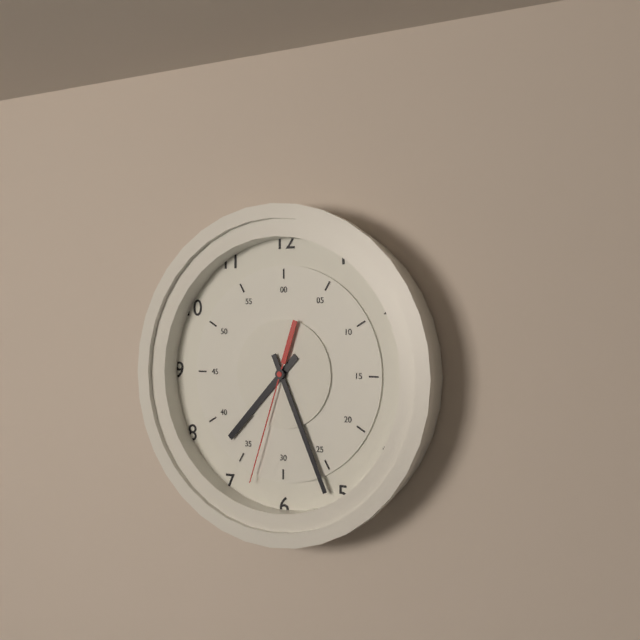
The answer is **7:26:33**
